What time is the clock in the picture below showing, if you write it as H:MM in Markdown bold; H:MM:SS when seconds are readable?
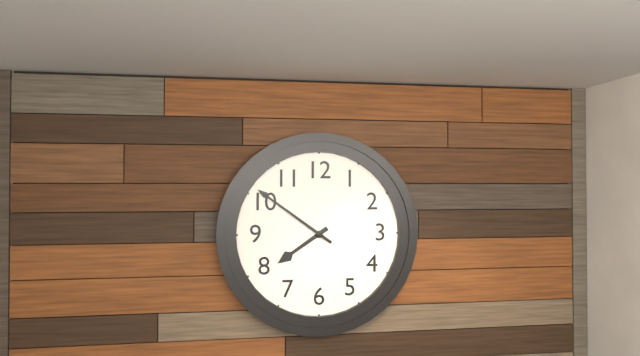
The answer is **7:51**
